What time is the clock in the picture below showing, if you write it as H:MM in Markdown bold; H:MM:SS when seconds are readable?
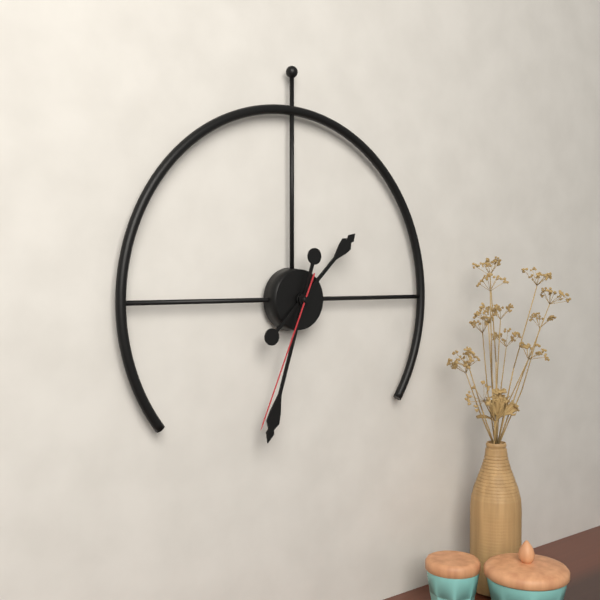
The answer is **1:33:34**
